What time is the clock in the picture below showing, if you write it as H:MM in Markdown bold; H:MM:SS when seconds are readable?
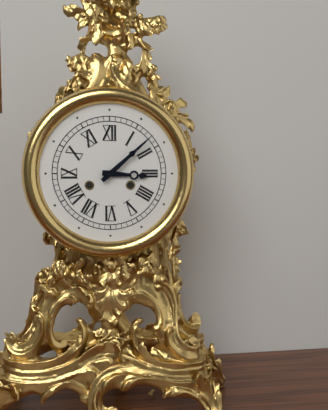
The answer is **3:08**
